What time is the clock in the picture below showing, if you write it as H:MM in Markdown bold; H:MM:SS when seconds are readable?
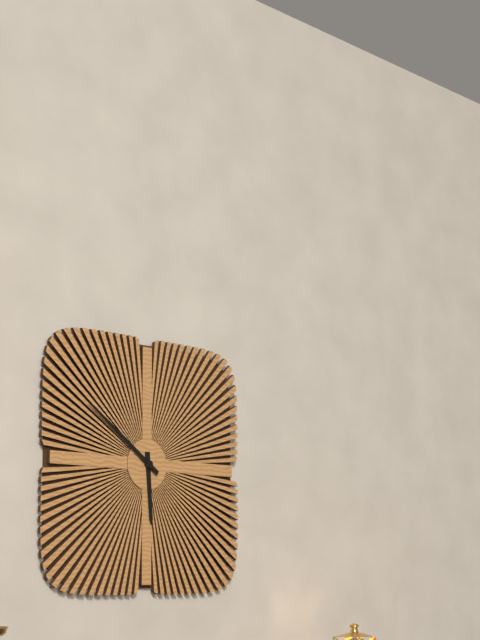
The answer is **5:51**
